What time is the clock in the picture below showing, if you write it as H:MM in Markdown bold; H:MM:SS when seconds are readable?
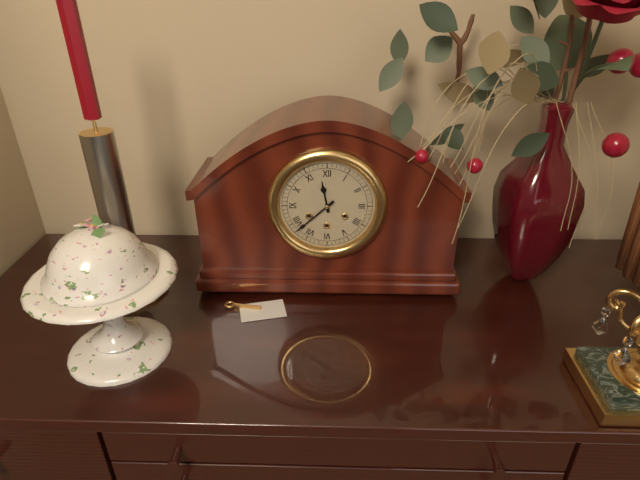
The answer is **11:38**
